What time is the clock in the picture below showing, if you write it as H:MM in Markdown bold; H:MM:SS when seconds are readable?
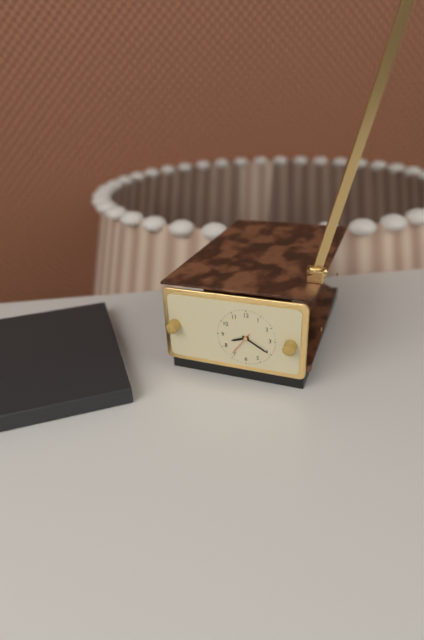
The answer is **8:20**
